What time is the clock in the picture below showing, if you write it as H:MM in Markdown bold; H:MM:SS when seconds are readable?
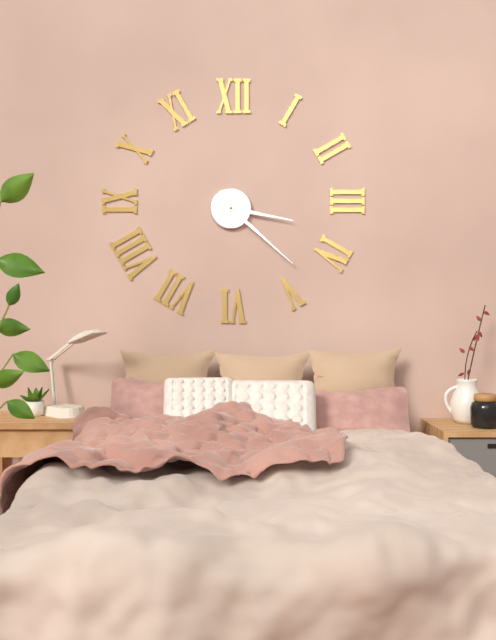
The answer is **3:22**
